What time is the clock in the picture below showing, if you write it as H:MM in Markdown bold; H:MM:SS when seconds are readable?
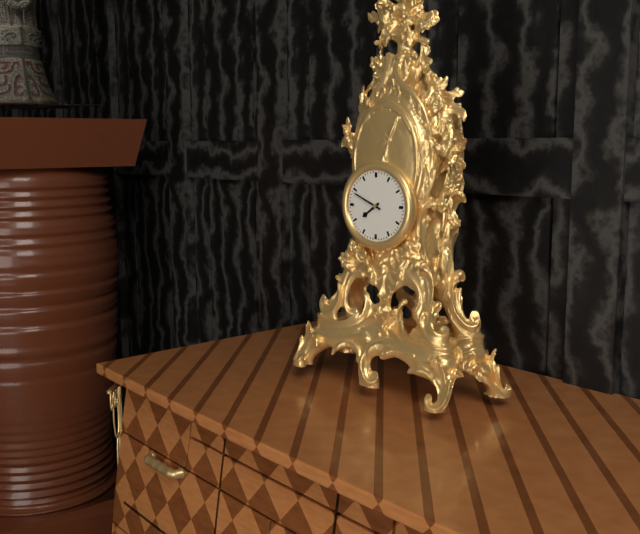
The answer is **7:49**
